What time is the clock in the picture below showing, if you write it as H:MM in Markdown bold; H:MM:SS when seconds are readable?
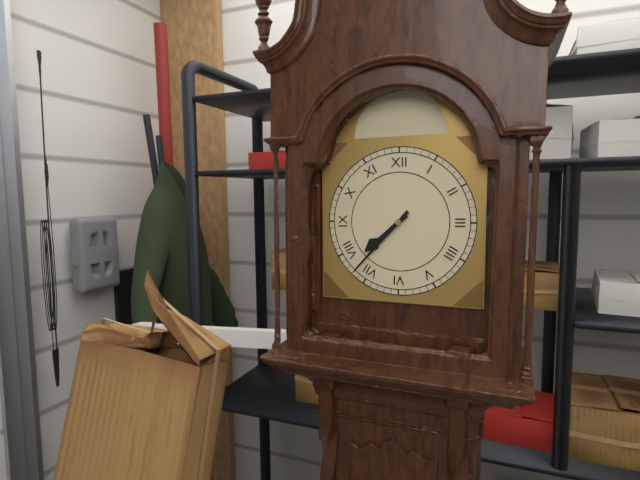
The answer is **7:37**
